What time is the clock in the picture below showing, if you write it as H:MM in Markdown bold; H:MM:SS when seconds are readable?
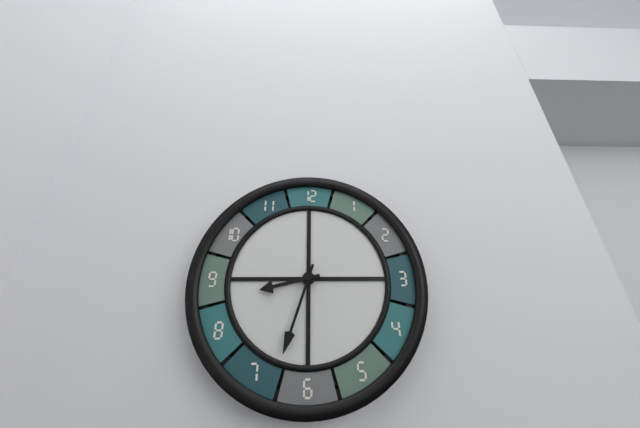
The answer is **8:33**
